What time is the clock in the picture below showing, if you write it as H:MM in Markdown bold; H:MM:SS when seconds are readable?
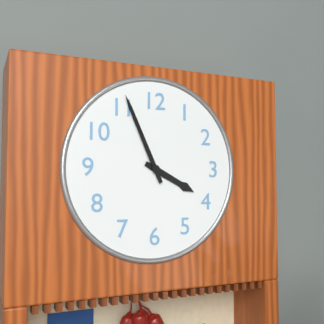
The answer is **3:56**
